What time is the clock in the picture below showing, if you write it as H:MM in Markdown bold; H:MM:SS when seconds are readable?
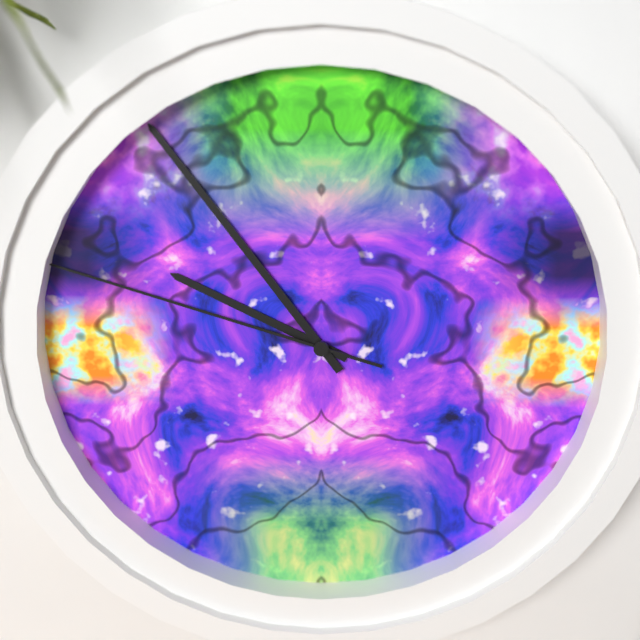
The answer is **9:54:48**
